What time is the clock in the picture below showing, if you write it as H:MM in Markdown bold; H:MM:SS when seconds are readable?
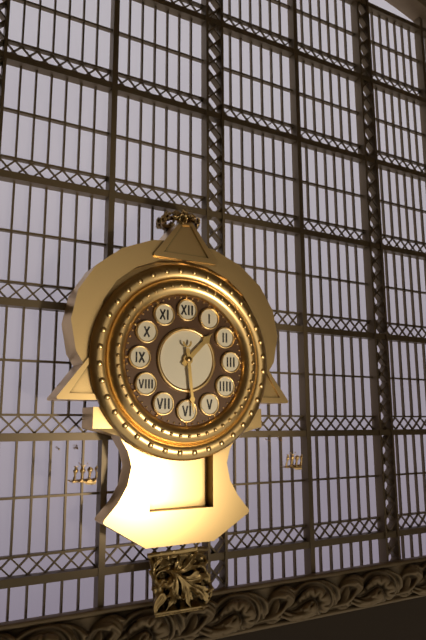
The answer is **1:29**
